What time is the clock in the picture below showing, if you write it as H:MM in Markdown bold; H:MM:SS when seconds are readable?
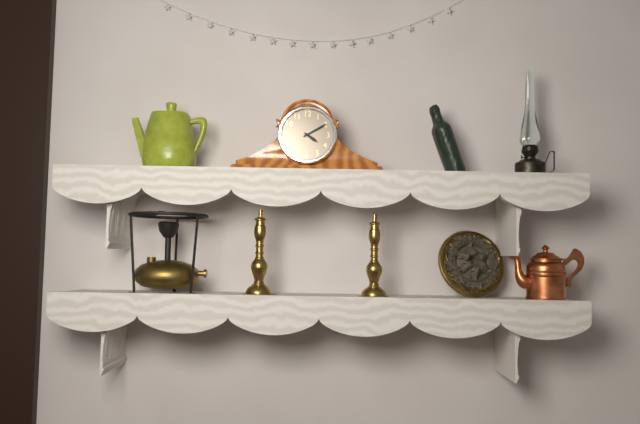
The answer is **4:10**
